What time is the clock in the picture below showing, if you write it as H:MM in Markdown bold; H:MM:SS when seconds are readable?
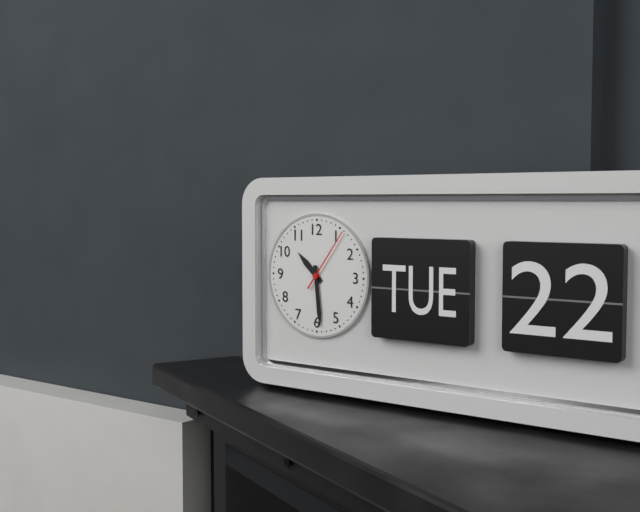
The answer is **10:29:06**
